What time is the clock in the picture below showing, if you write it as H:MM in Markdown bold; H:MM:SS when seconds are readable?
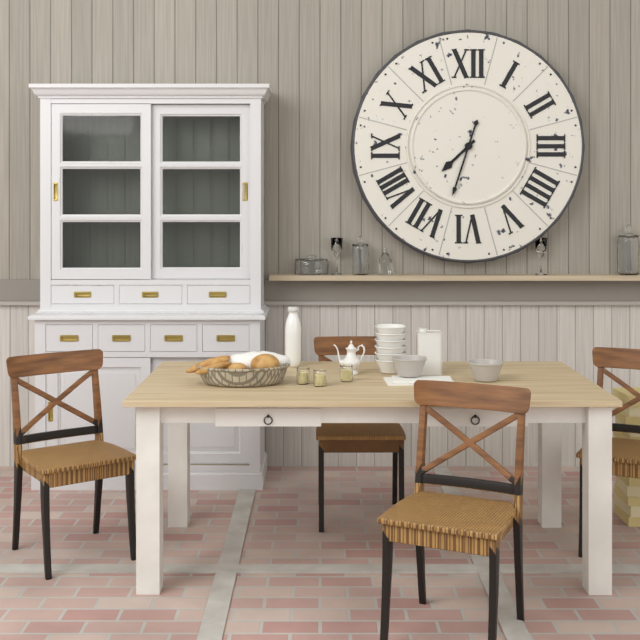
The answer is **7:33**
